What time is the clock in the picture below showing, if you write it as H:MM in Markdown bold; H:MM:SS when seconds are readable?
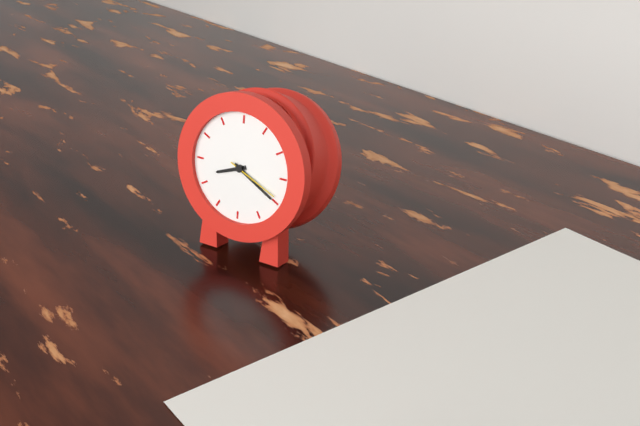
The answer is **8:20:19**
